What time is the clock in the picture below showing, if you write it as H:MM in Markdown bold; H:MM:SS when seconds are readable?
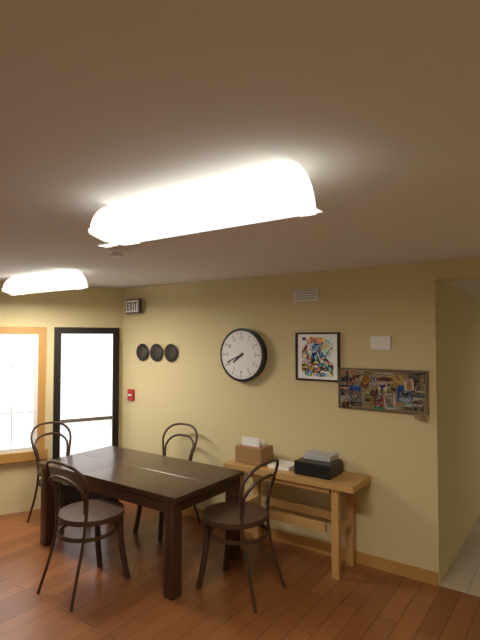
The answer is **7:41**
